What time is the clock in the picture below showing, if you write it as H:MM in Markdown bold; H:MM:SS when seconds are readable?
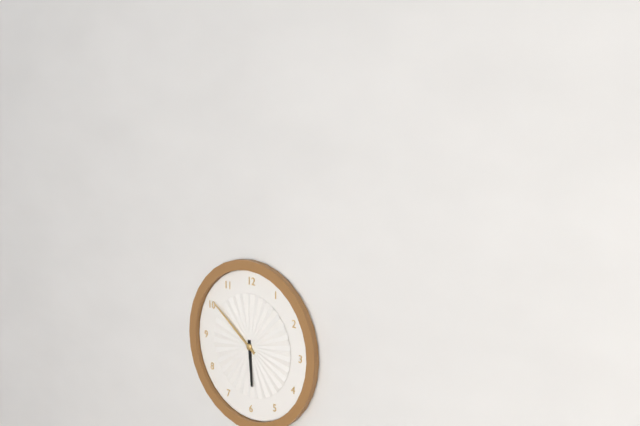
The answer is **5:51**
